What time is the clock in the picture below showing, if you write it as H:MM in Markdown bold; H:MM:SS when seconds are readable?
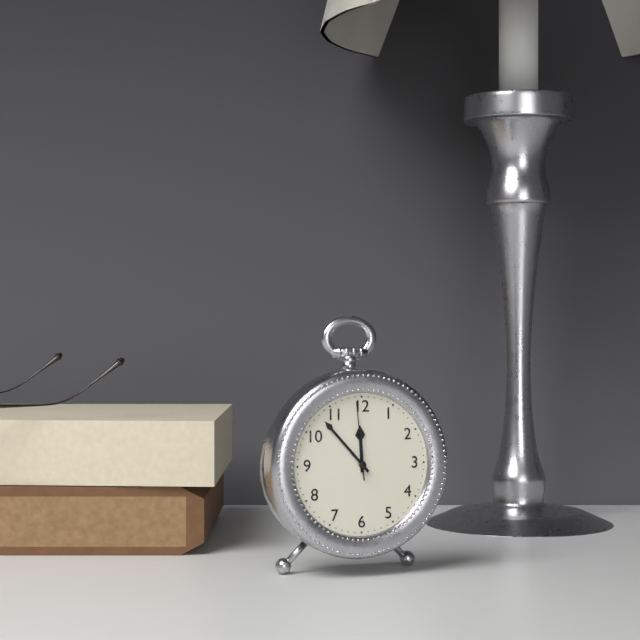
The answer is **11:53:59**
